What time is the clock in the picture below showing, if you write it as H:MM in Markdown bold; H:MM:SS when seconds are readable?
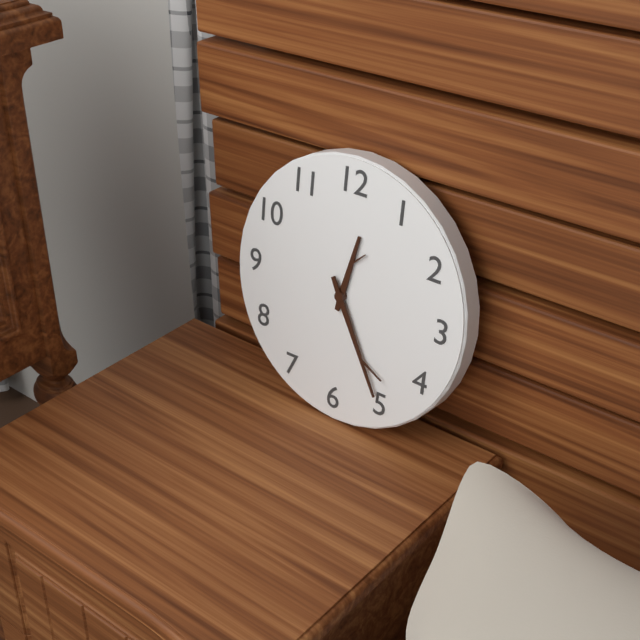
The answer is **12:25**
